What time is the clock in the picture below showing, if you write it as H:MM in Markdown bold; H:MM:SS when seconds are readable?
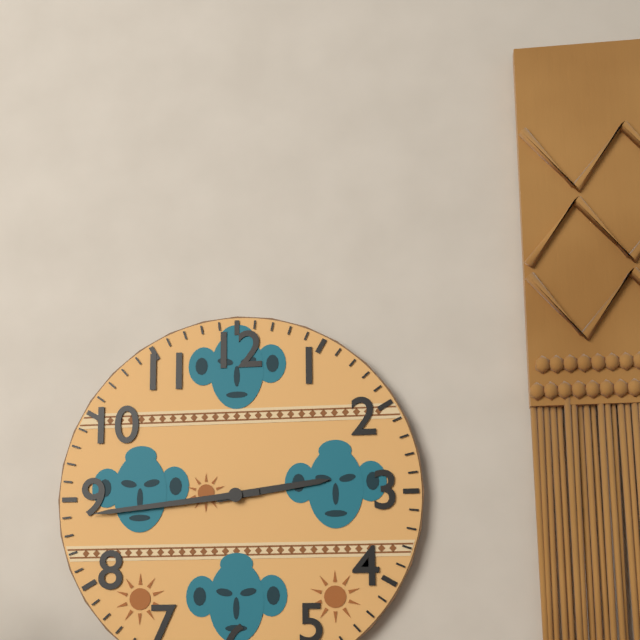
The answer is **2:44**
